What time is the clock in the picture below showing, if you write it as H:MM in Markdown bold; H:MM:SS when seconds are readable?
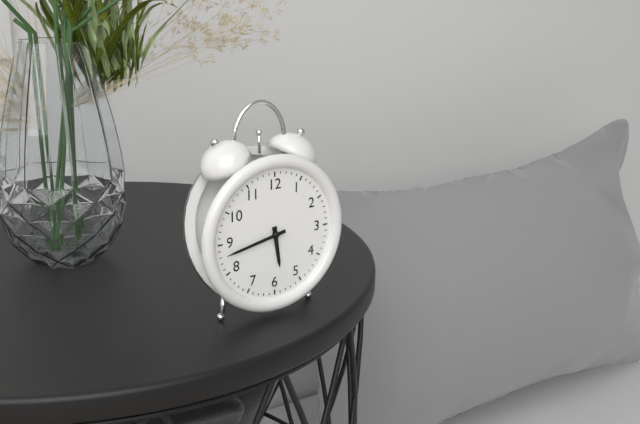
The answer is **5:43**
